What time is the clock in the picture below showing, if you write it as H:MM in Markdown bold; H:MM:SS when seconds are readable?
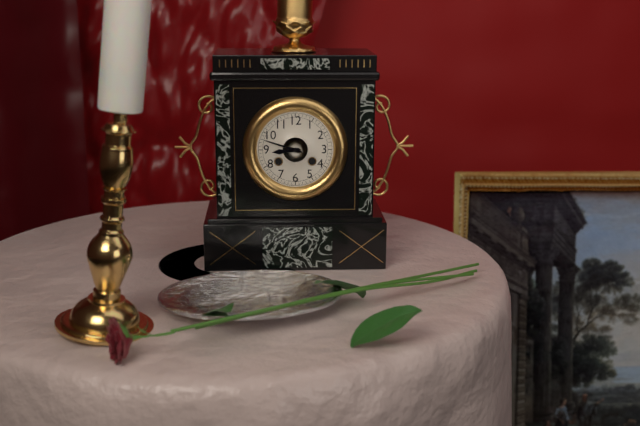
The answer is **8:48**
